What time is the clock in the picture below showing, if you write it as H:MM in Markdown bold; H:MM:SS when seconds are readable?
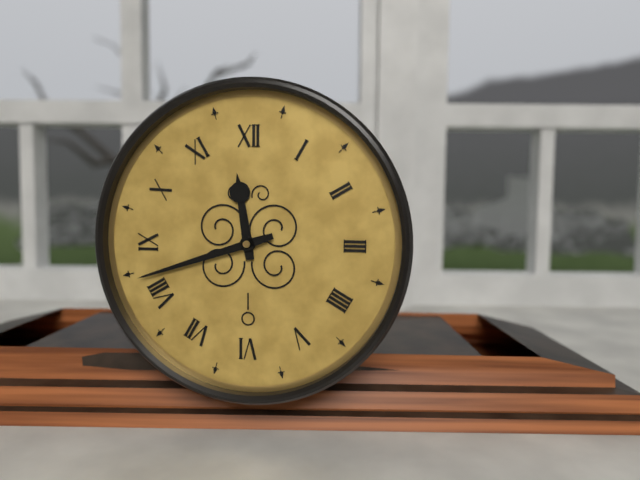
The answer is **11:42**
